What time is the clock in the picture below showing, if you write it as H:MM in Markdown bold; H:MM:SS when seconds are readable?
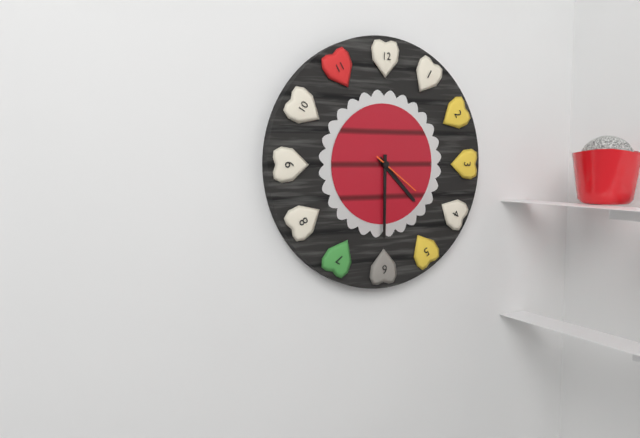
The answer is **4:30:21**
